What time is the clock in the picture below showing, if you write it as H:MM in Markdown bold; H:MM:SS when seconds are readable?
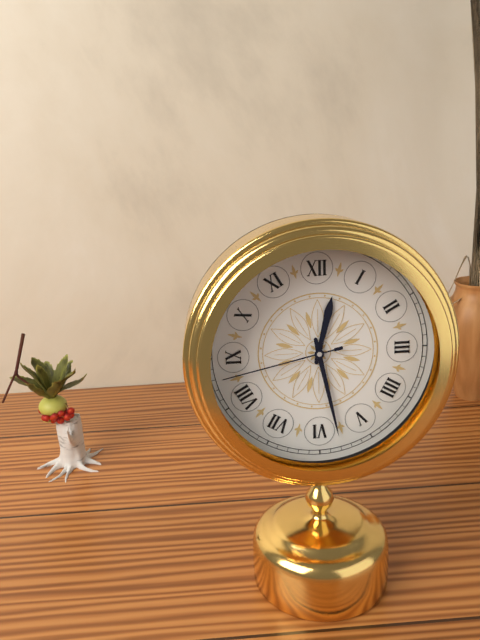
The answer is **12:28:43**
